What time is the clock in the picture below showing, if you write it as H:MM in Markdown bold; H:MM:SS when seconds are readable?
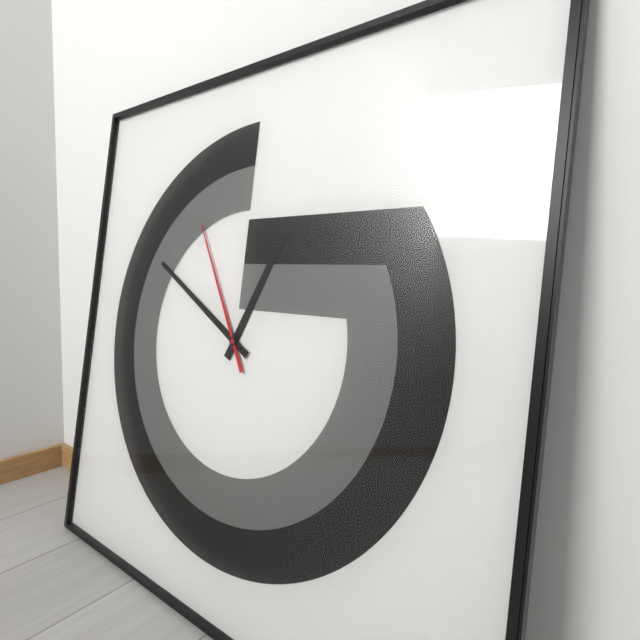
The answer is **12:50:55**
